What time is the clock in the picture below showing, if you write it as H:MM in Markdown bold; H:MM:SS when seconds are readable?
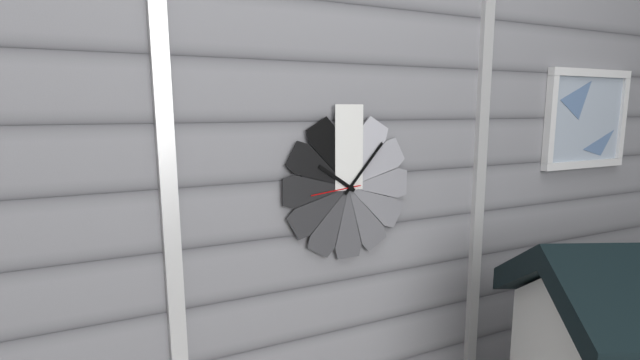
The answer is **10:07**
